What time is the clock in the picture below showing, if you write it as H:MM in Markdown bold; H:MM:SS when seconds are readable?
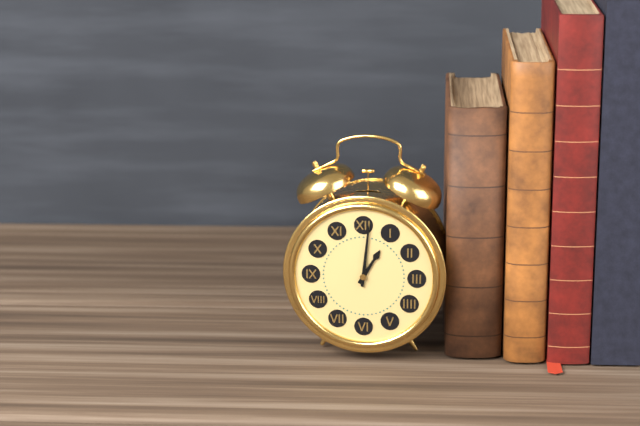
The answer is **1:01**
